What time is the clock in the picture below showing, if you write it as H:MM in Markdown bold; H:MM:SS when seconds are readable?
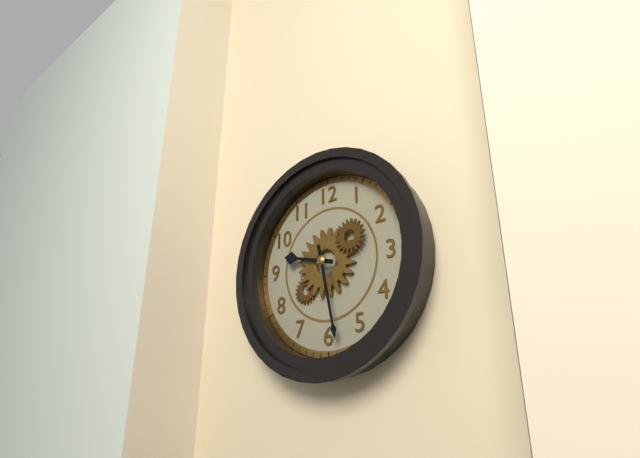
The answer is **9:28**
